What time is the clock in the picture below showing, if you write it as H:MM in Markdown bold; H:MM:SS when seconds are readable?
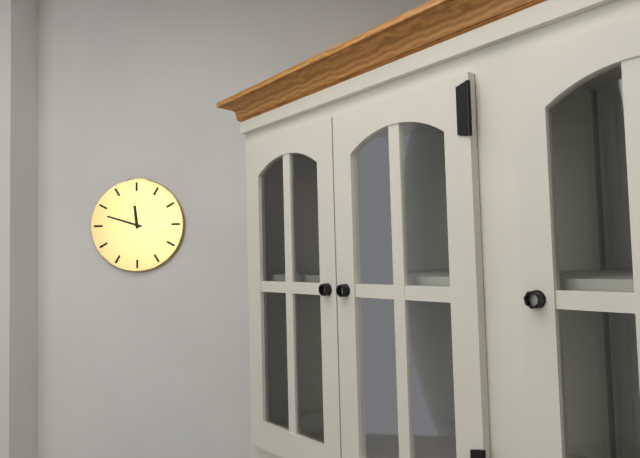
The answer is **11:48**
